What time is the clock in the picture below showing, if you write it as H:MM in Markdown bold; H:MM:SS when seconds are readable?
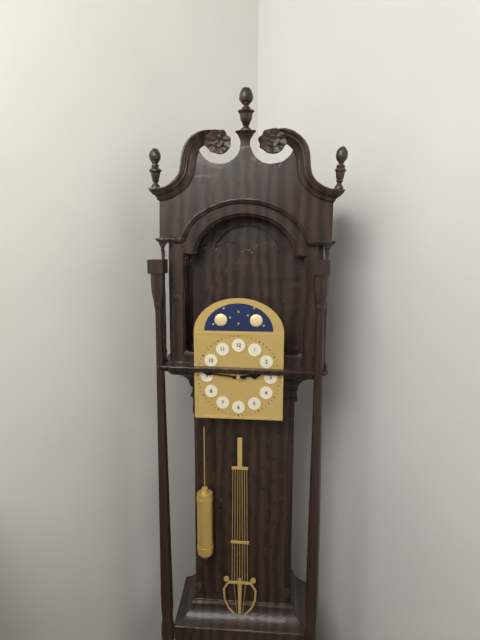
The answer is **2:46**
